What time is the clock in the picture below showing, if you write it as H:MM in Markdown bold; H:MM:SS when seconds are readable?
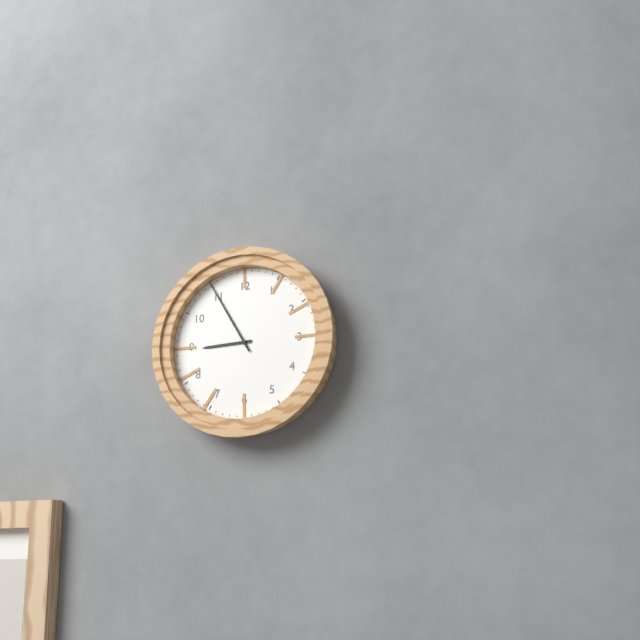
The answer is **8:55**
